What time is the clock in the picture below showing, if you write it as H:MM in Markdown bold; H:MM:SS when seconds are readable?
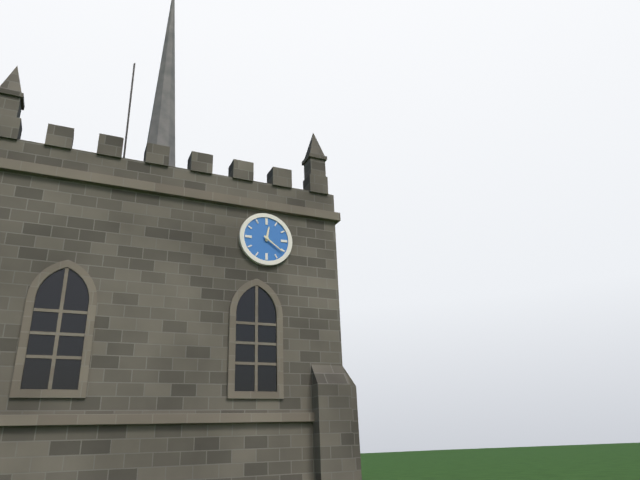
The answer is **12:21**
